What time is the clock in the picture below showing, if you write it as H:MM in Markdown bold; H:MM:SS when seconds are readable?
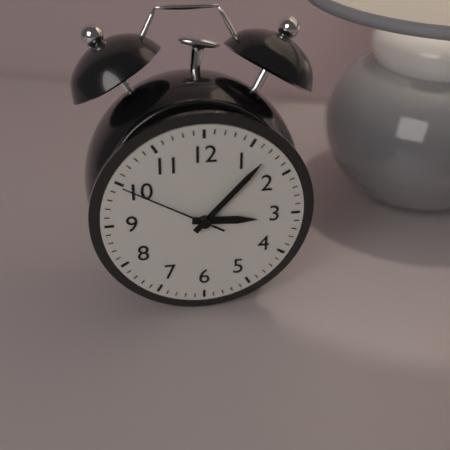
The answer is **3:07:50**
